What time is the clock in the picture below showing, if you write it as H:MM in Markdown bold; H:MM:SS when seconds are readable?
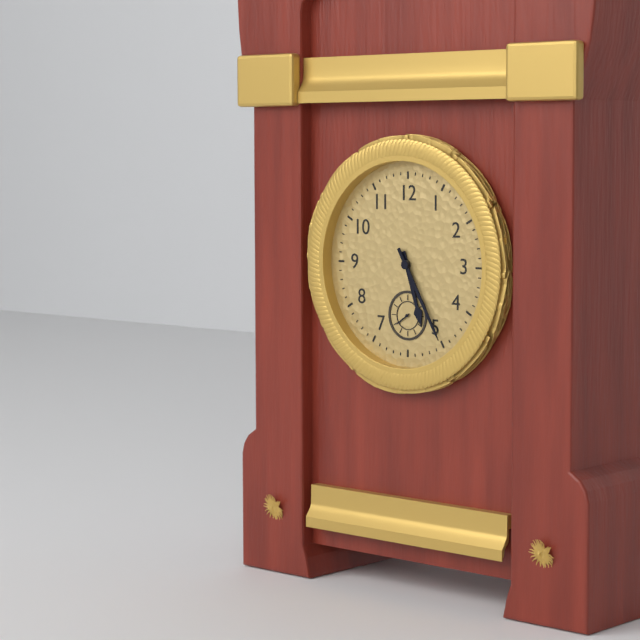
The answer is **5:25**
